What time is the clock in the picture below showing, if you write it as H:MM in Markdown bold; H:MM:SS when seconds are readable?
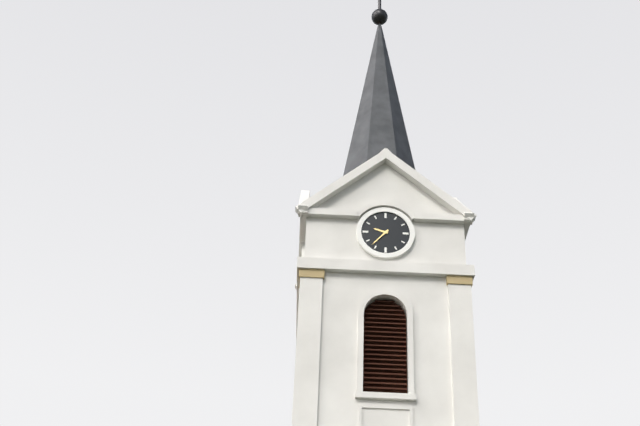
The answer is **9:37**
